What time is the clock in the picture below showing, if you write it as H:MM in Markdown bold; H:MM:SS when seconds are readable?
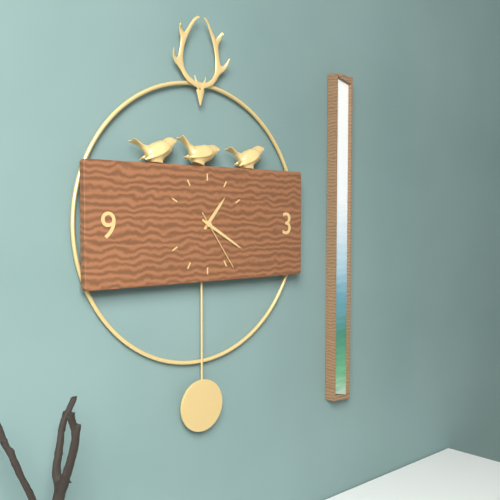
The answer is **1:20:24**
